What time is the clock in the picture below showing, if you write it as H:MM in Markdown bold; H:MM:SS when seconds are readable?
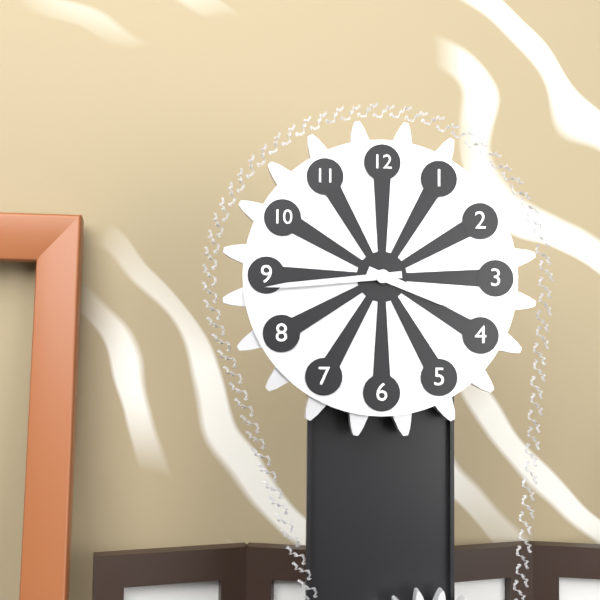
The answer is **3:44**
